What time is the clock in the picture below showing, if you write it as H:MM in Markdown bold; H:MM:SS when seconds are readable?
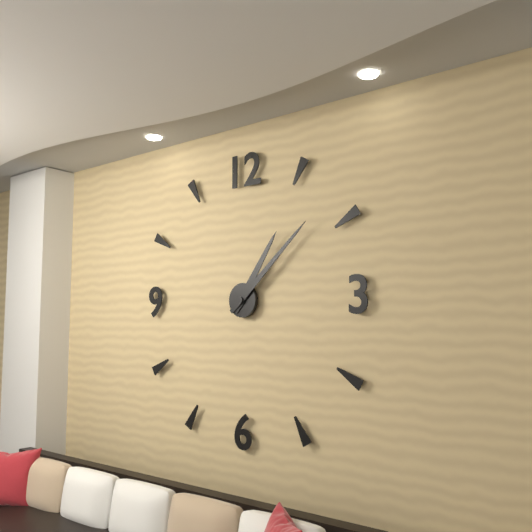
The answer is **1:08**
